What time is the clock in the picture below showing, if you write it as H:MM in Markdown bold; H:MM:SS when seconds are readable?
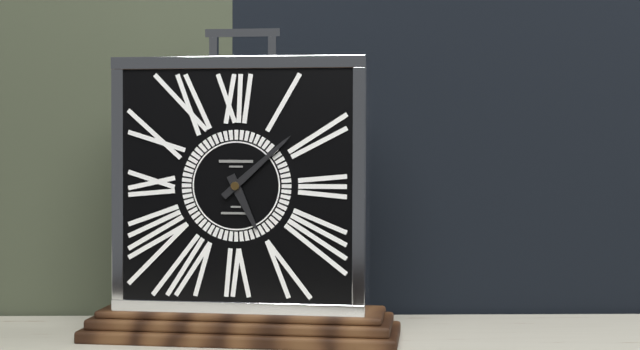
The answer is **5:08**
